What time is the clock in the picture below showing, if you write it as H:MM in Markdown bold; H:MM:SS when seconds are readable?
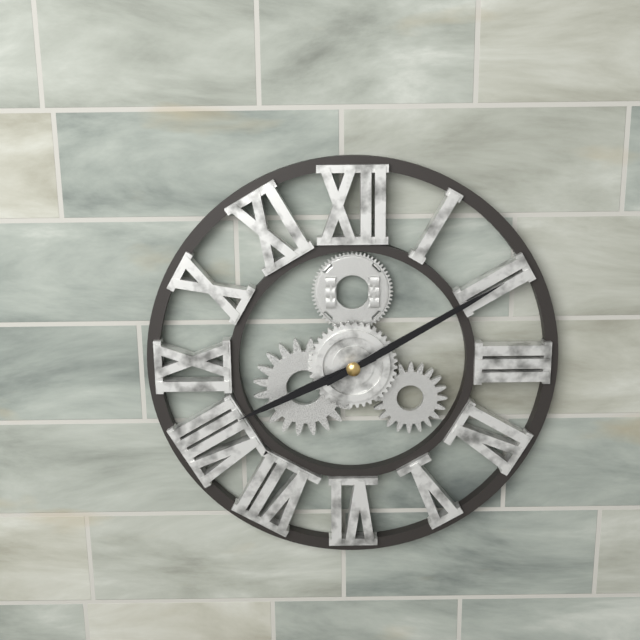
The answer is **8:10**
